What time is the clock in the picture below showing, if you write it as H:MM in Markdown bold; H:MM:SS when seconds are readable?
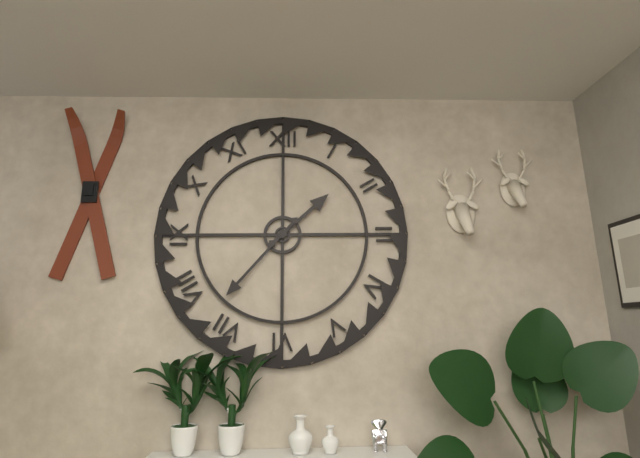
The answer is **1:37**
